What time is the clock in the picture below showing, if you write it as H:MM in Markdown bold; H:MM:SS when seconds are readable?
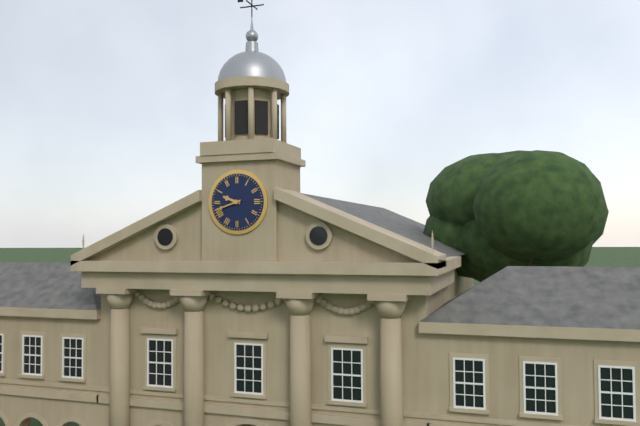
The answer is **9:42**
